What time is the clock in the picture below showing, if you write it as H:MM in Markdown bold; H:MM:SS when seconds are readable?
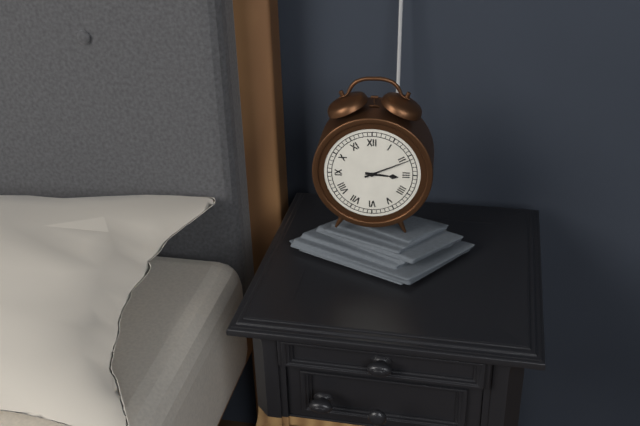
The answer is **3:11**
